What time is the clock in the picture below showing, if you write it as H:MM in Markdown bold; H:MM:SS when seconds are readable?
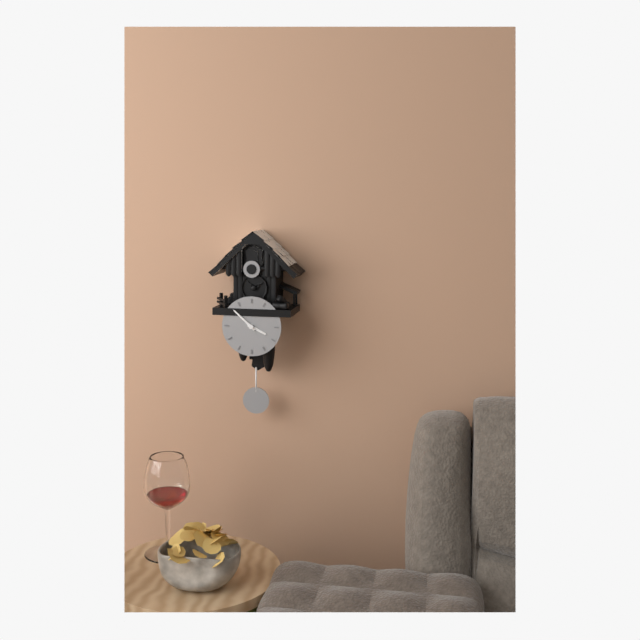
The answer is **3:52**
